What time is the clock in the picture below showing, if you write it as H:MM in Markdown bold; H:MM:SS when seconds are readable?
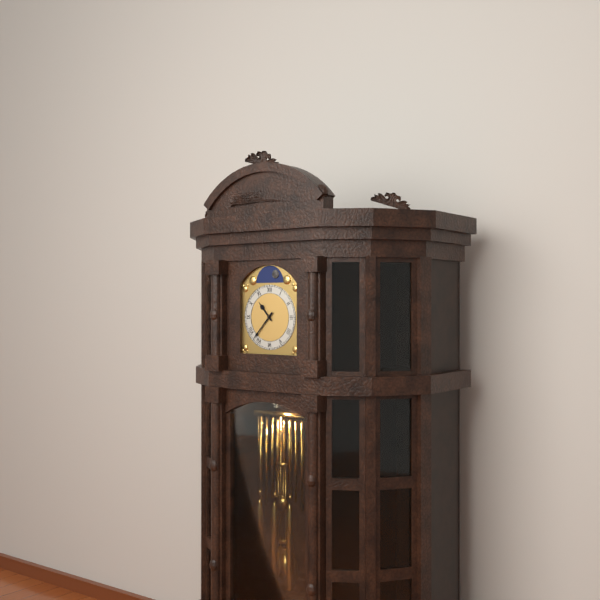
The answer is **10:37**
